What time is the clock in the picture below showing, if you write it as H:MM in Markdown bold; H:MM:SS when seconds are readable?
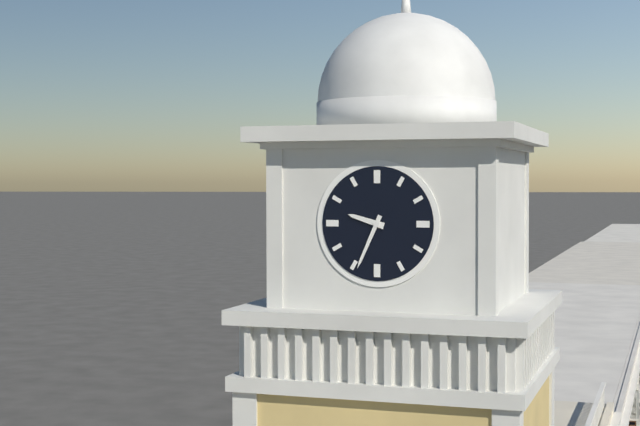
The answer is **9:34**
